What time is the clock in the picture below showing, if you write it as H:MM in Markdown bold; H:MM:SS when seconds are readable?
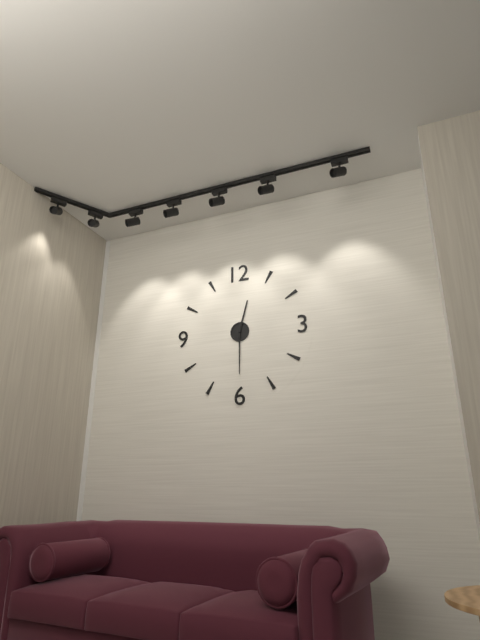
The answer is **12:30**
